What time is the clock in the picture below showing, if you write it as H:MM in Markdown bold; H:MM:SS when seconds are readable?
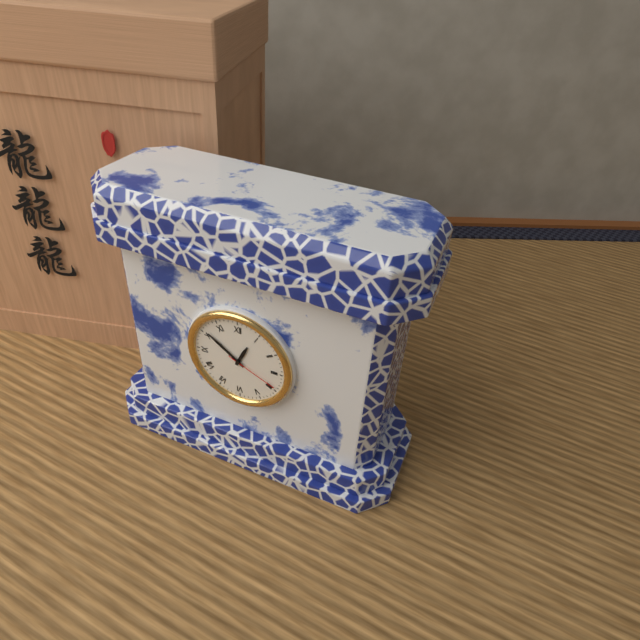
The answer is **12:51:19**
